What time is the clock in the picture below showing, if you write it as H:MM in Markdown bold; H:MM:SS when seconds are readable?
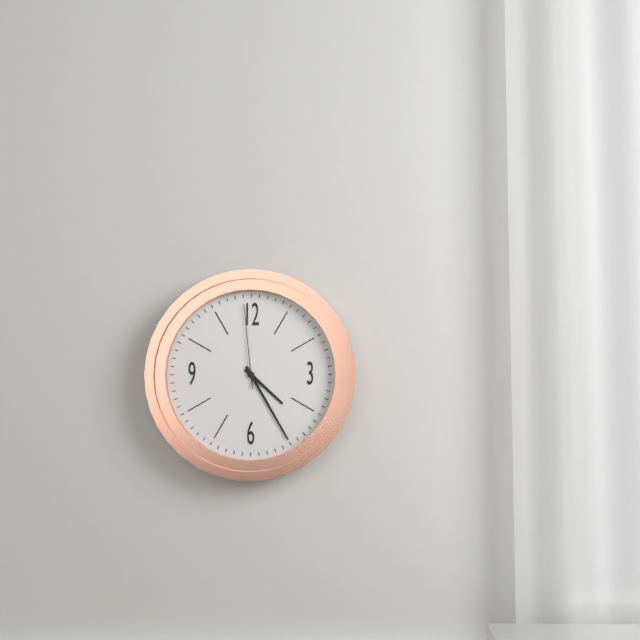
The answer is **4:25:59**
